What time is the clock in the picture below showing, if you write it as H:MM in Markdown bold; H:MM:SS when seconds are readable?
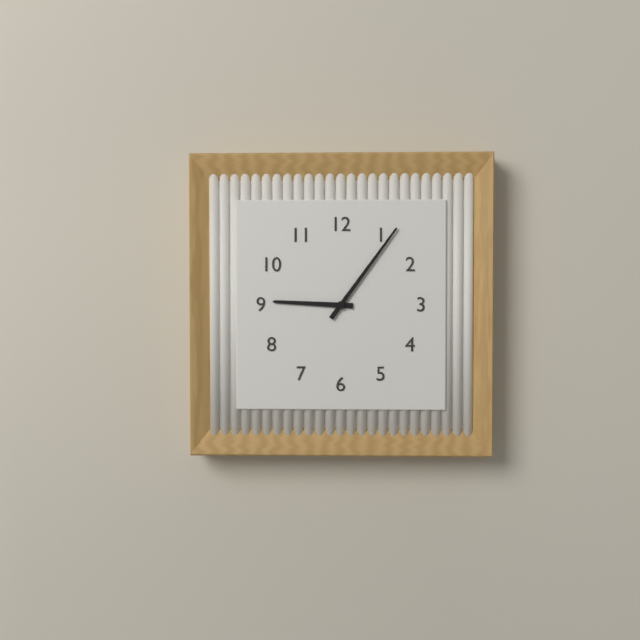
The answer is **9:06**
